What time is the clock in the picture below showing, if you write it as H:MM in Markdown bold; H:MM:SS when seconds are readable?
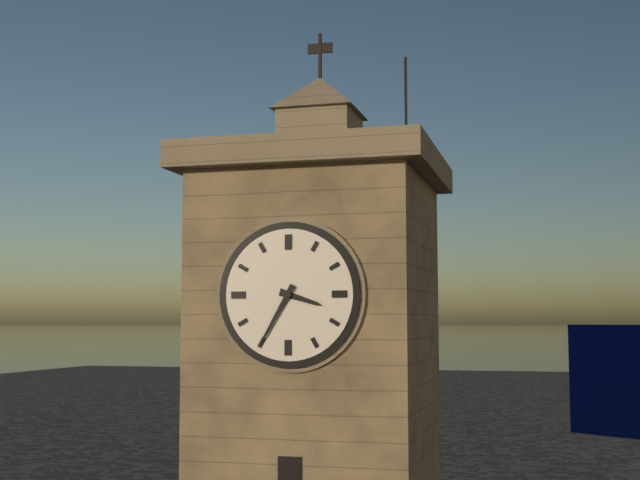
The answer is **3:35**
